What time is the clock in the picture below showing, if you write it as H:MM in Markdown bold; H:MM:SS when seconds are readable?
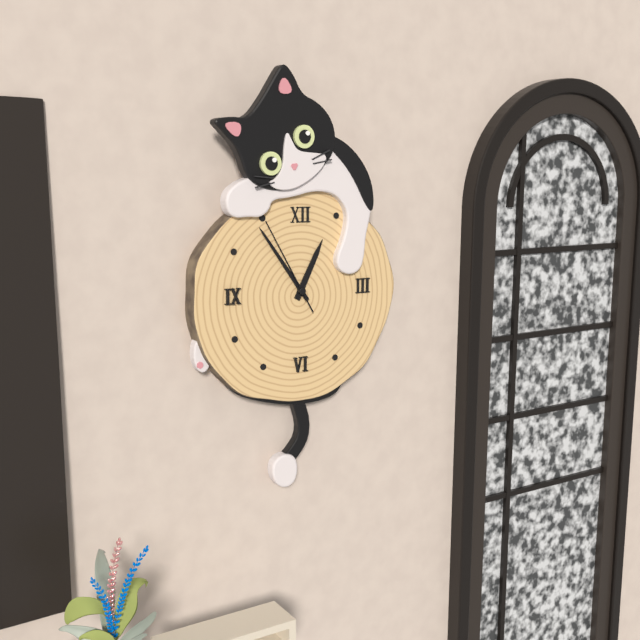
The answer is **12:54:55**
